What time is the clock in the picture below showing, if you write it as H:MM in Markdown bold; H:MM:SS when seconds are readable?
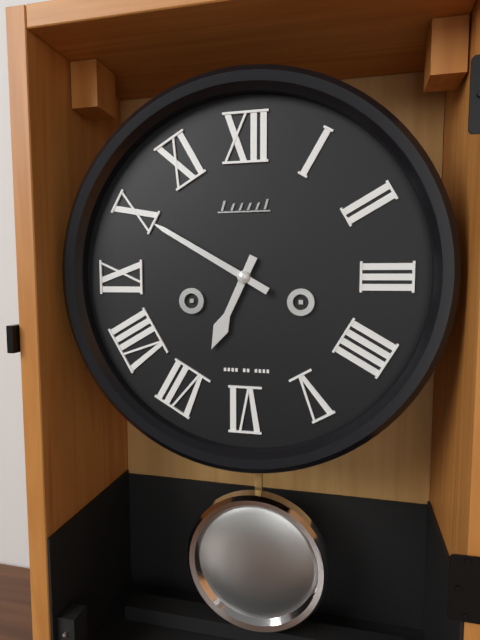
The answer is **6:50**
